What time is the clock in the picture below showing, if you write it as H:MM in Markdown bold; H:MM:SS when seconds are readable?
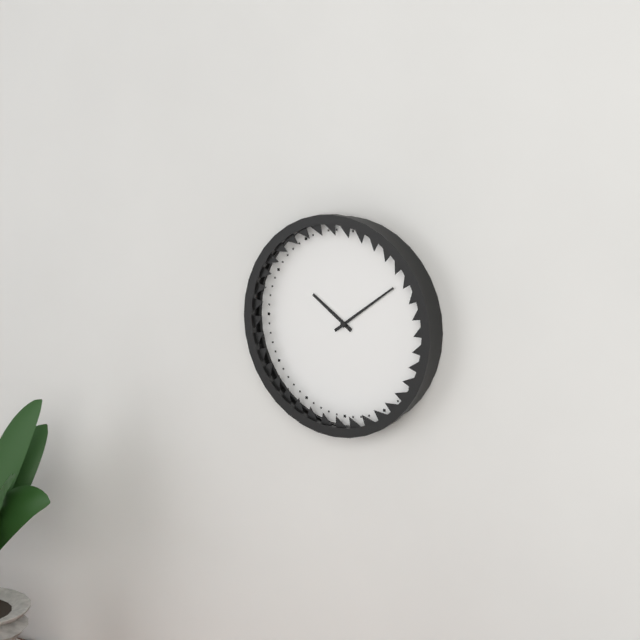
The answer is **10:09**
